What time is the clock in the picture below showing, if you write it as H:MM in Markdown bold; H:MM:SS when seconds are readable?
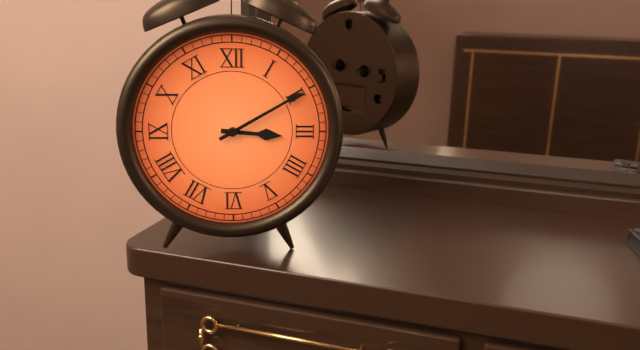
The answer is **3:10**
